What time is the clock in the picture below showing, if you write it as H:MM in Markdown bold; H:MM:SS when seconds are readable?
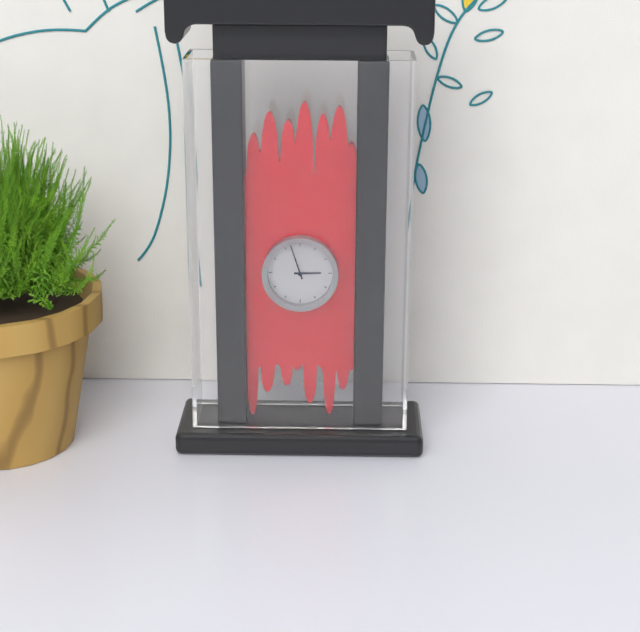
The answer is **2:57**
